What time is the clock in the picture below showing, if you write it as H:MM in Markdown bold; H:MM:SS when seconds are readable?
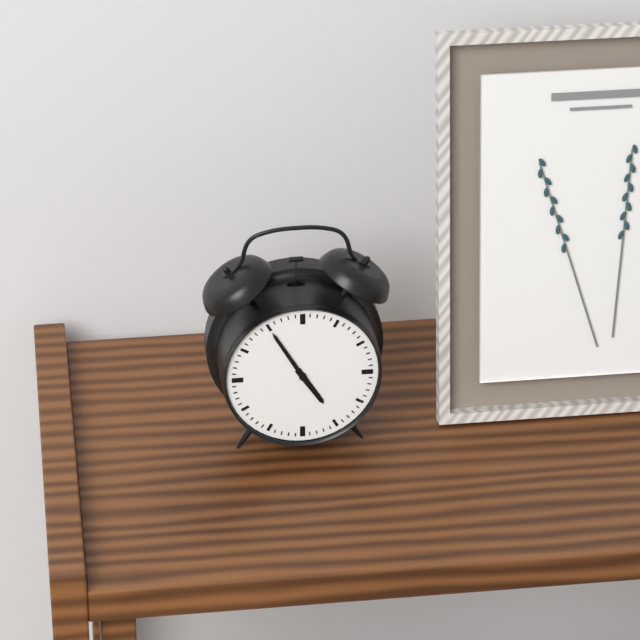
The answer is **4:55**
